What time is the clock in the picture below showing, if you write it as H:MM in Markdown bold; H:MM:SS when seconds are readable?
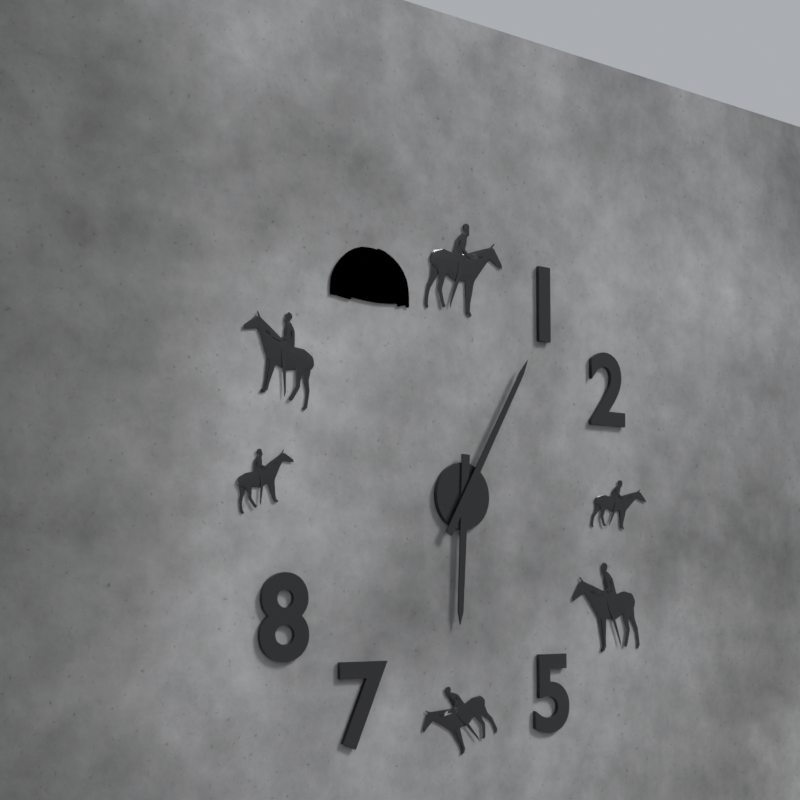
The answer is **6:05**
